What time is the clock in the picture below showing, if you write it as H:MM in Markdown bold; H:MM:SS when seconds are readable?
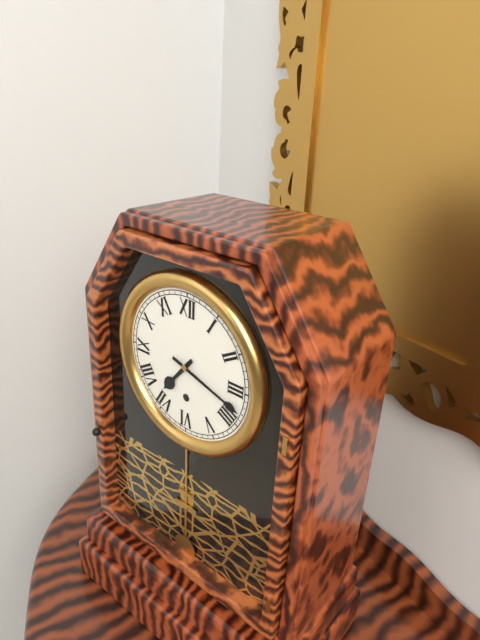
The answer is **7:18**
